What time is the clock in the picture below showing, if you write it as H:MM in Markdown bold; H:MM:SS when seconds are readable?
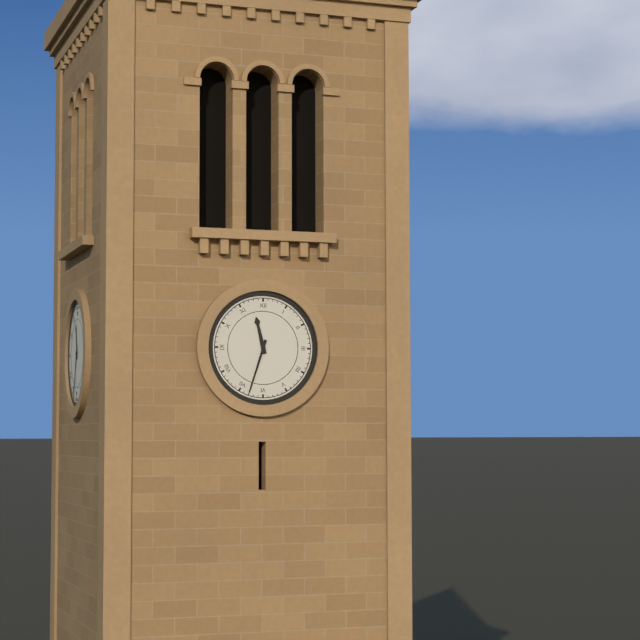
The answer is **11:33**
